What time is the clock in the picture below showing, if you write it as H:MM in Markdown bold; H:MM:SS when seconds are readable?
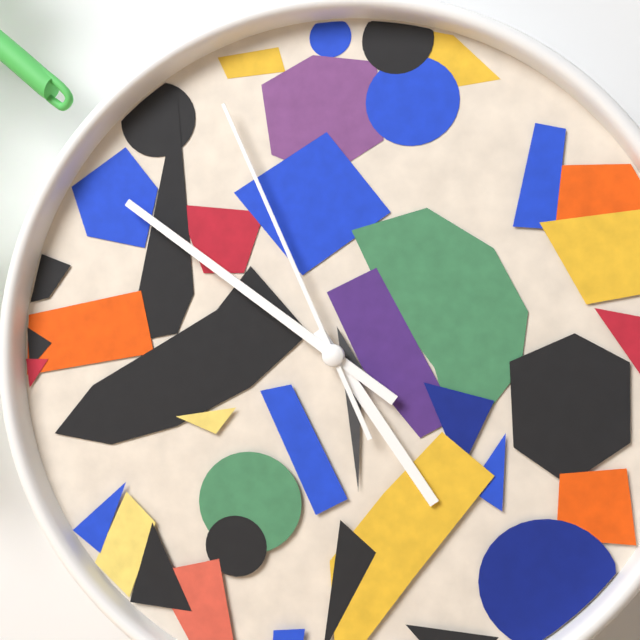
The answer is **4:51:56**
